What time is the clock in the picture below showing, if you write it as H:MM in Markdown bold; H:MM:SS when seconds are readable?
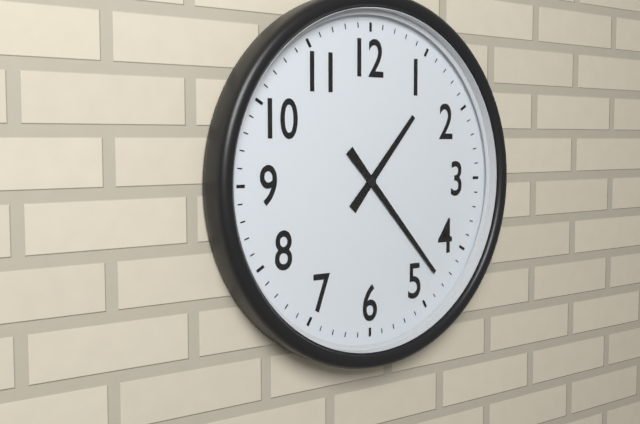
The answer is **1:23**
